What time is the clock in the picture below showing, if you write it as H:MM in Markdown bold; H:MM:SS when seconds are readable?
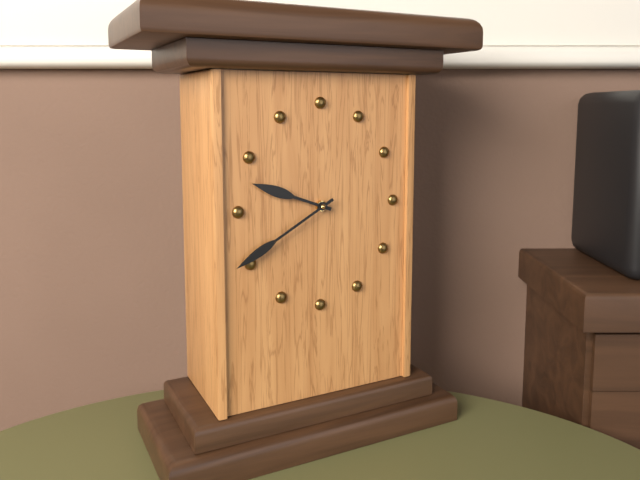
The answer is **9:40**
